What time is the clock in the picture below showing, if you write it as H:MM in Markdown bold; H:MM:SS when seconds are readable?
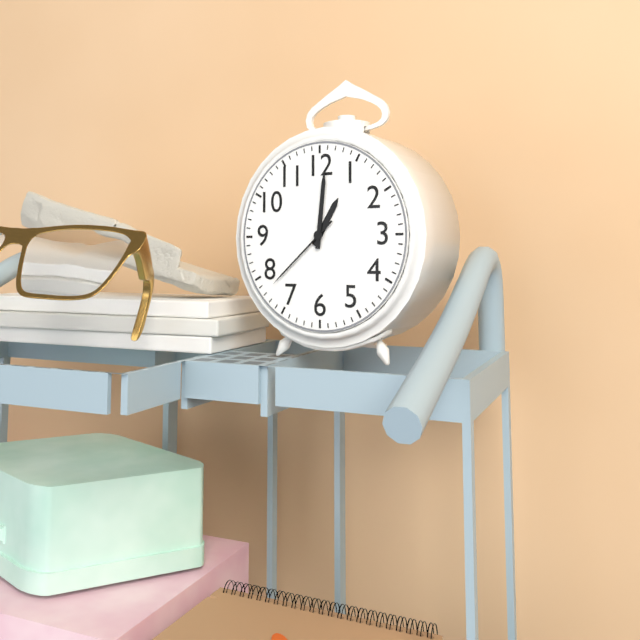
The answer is **1:01:38**
